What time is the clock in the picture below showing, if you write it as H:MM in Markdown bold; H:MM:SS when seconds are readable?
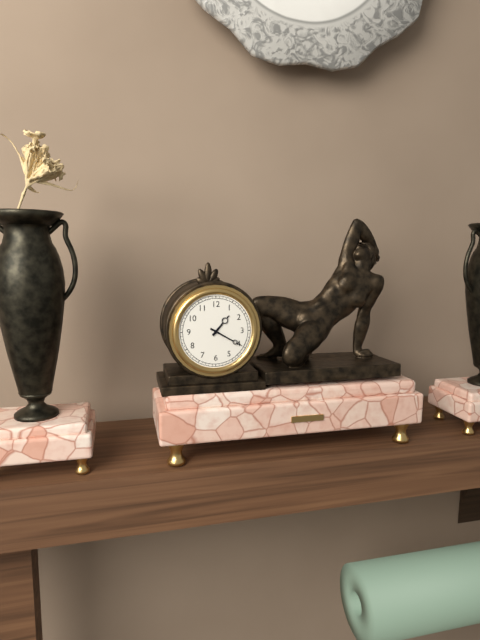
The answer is **1:20**
